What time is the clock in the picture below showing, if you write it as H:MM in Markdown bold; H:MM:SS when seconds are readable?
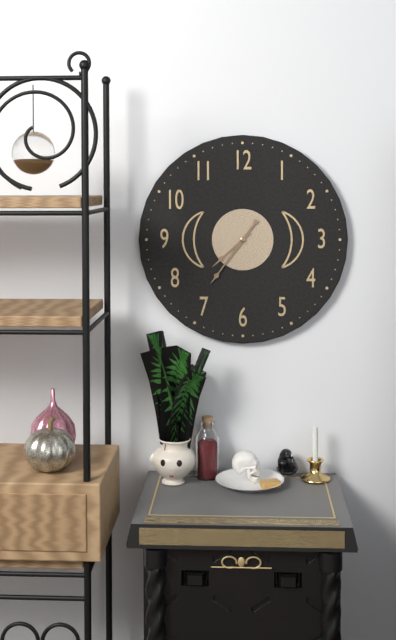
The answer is **7:36**
